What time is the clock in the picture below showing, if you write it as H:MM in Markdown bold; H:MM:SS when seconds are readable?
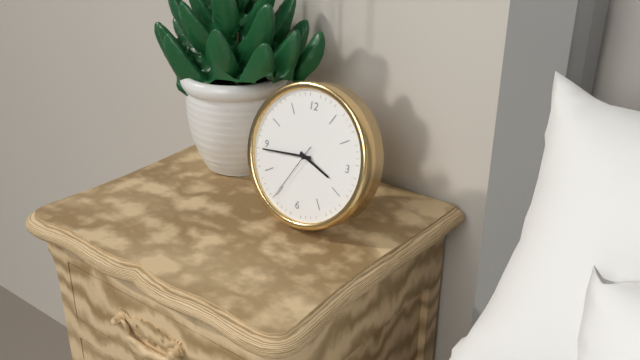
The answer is **3:44:35**
